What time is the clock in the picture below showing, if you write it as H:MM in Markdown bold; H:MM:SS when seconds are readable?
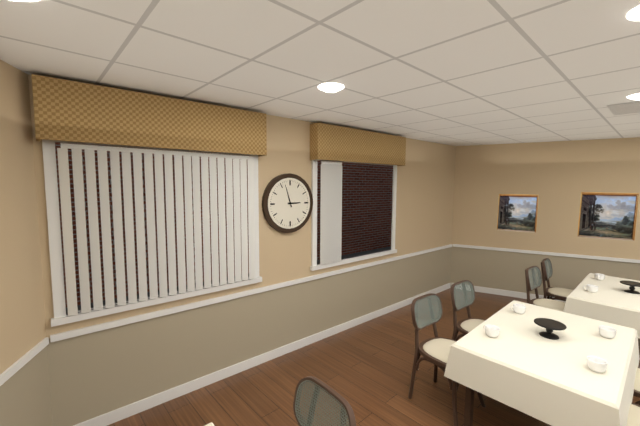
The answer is **2:57**
